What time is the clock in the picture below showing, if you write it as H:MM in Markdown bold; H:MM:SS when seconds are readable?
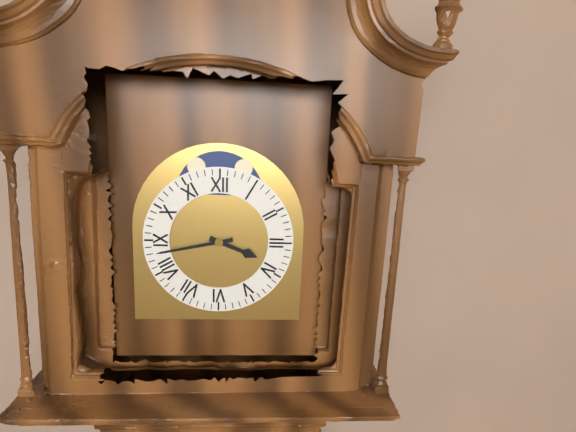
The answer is **3:43**
